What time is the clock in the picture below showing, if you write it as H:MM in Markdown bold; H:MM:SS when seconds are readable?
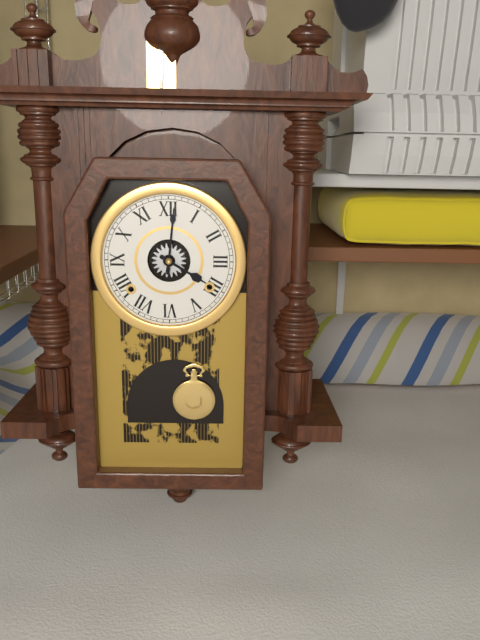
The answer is **4:01**
